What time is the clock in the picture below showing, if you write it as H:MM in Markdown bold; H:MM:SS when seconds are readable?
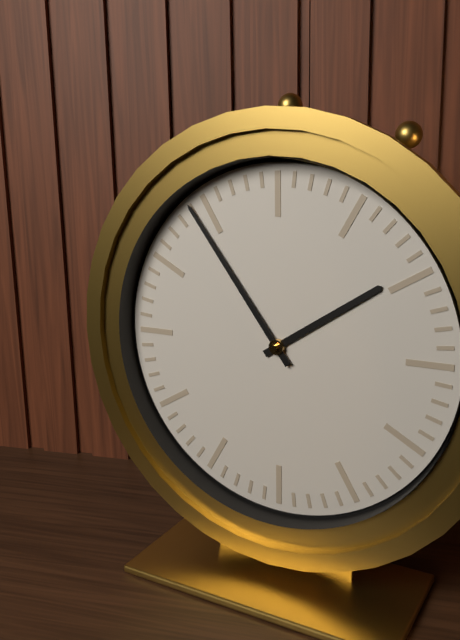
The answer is **1:54**
